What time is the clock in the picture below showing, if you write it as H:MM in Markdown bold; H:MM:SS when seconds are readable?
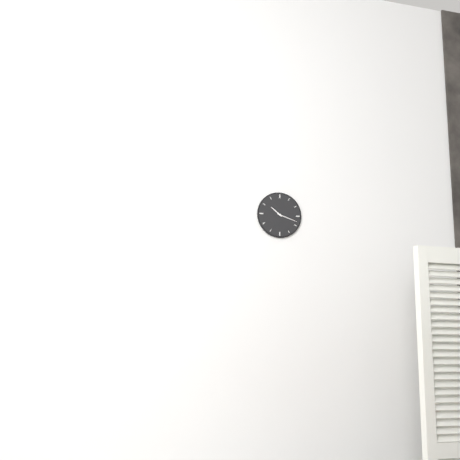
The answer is **10:18**
